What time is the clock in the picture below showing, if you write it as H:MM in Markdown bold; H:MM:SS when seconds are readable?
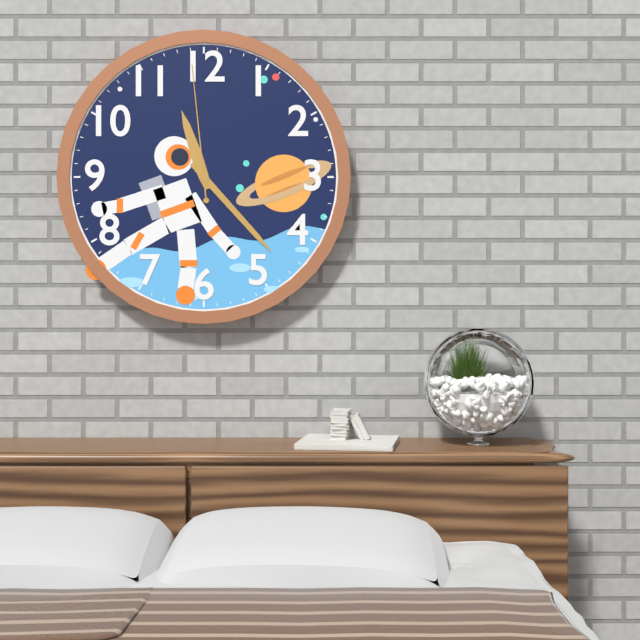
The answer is **11:23:59**
